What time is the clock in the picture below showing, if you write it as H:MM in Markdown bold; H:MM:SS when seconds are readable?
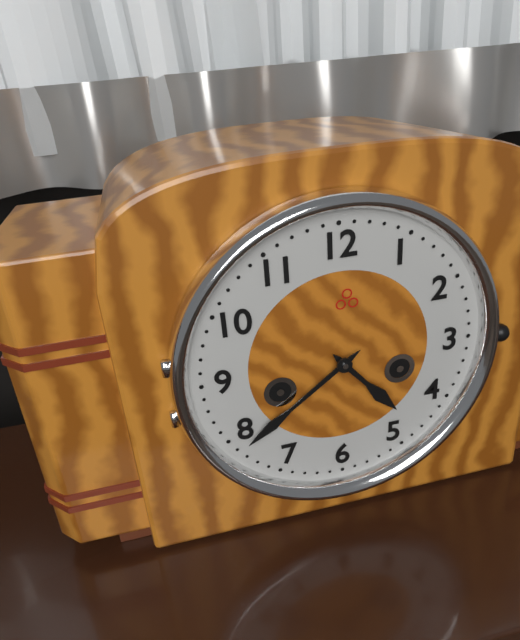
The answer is **4:39**
